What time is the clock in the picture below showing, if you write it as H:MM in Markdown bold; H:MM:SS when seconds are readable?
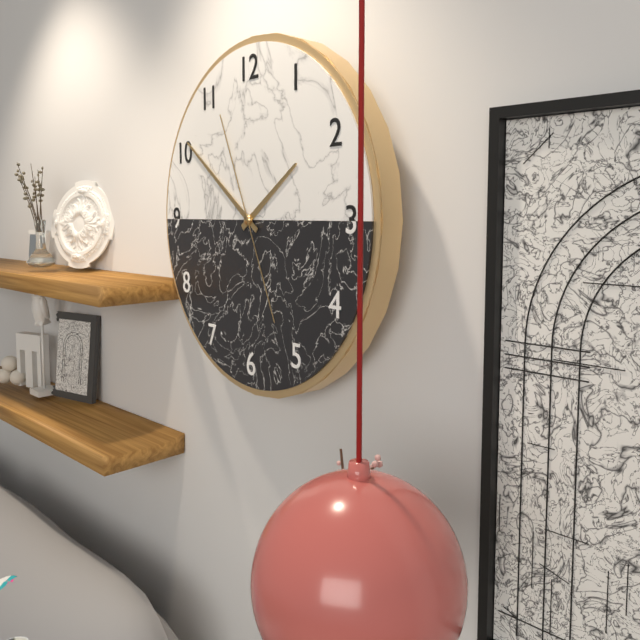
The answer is **1:51:56**
